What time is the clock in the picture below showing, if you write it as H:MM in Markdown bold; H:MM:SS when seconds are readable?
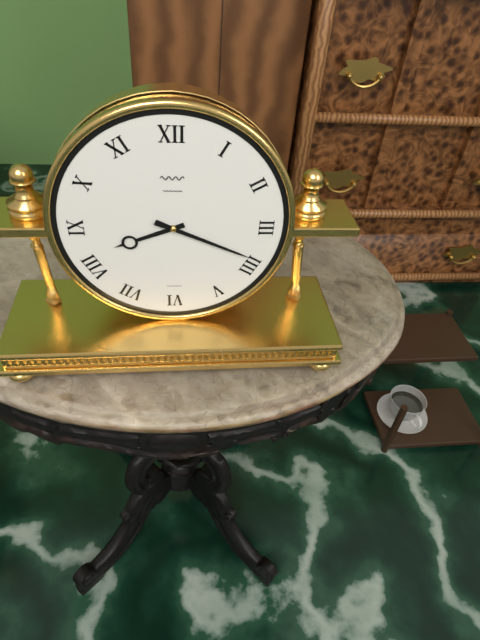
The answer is **8:19**
